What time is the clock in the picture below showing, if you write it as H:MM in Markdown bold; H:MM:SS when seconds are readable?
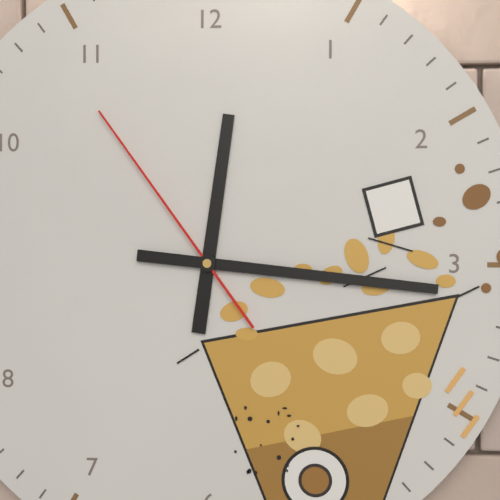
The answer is **12:16:54**
